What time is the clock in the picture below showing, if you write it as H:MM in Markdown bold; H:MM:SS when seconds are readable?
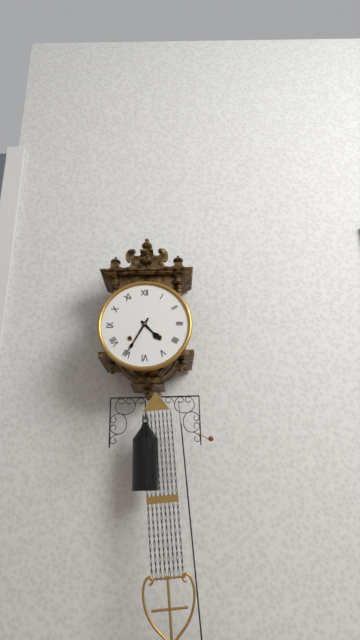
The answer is **4:35**
